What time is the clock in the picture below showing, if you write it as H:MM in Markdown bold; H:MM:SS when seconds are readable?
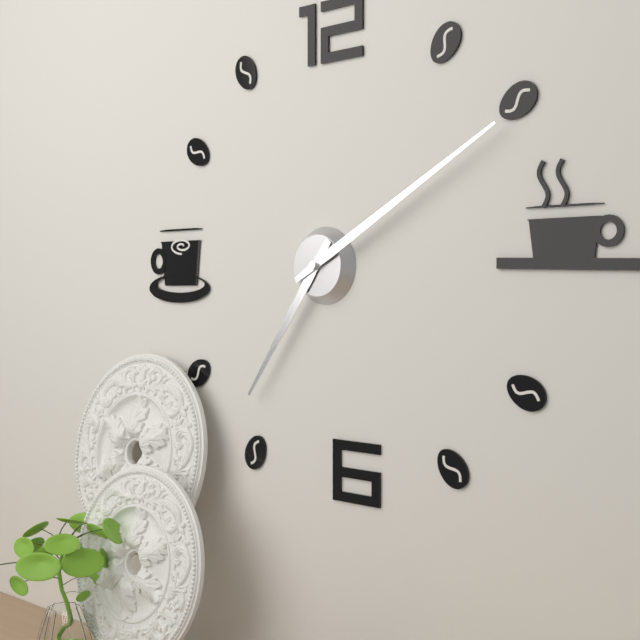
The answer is **7:10**
